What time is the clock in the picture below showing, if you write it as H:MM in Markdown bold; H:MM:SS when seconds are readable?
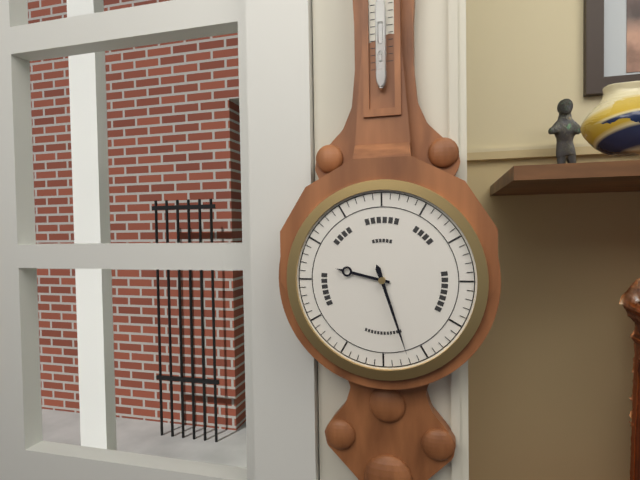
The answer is **9:27**
